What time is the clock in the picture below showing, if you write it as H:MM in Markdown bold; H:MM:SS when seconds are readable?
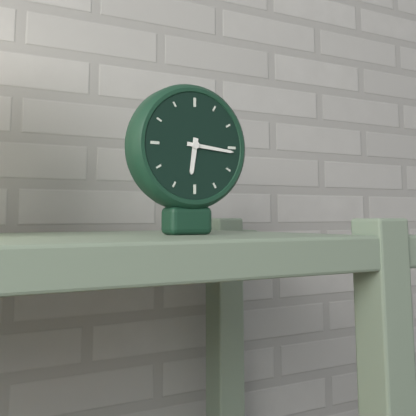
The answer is **6:16**
